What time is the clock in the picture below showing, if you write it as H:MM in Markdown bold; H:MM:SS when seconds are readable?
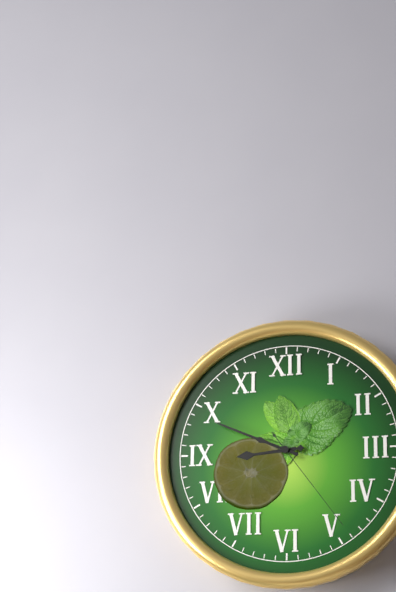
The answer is **8:49:24**
